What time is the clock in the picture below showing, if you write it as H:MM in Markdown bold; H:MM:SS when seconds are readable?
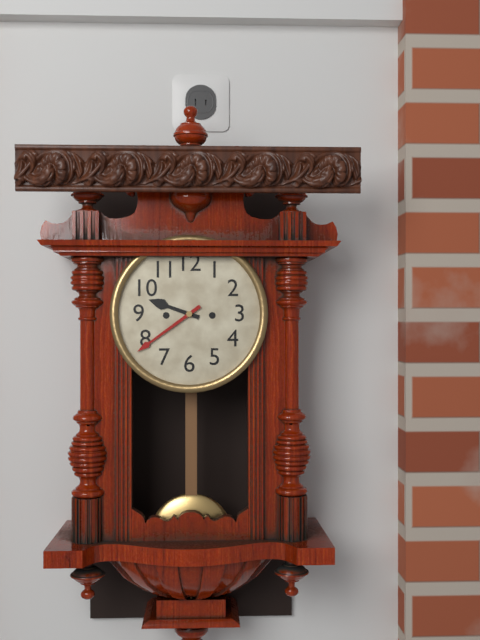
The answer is **9:39**
